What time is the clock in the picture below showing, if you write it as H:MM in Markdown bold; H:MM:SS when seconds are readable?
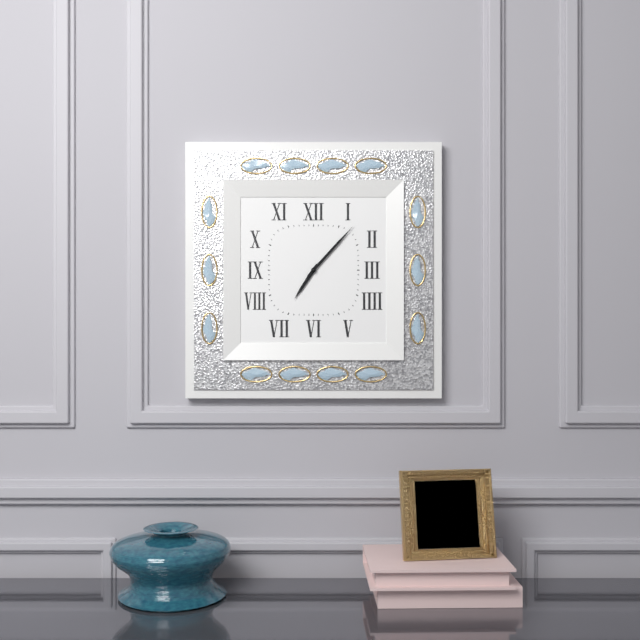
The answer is **7:07**
